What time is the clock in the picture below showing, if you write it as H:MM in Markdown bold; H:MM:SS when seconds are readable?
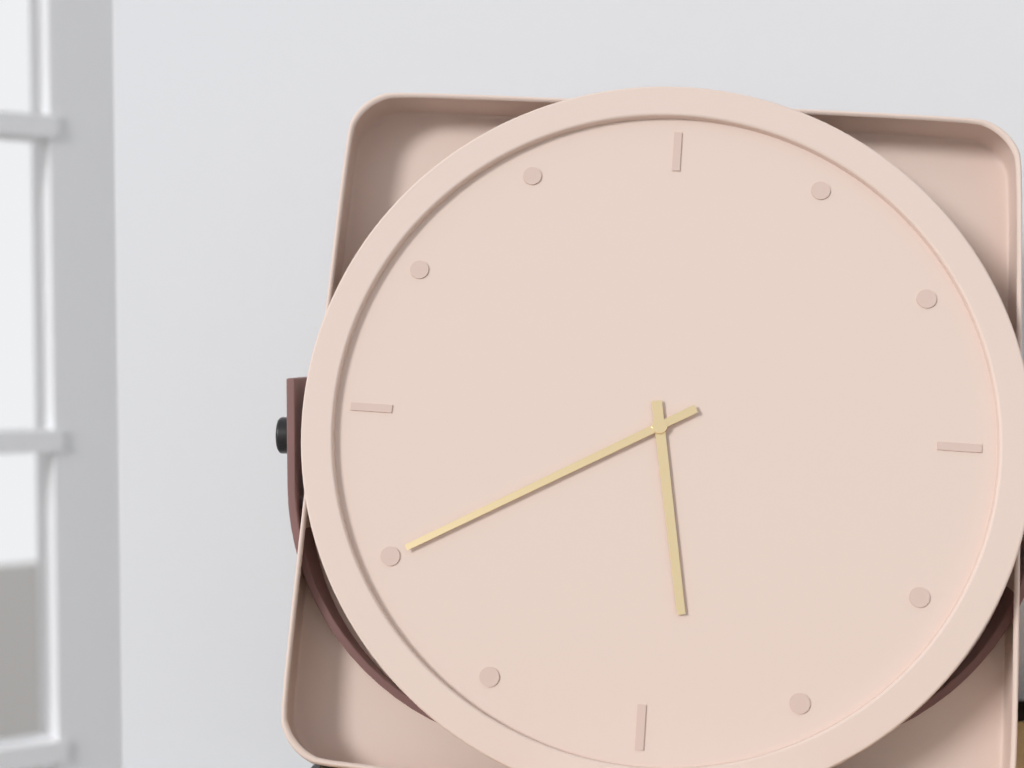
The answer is **5:40**
